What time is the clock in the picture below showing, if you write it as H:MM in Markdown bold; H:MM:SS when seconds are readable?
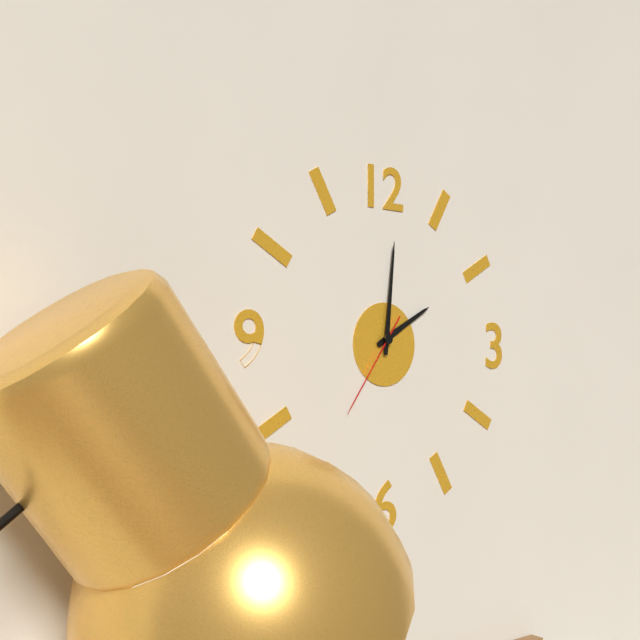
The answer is **2:01:36**
